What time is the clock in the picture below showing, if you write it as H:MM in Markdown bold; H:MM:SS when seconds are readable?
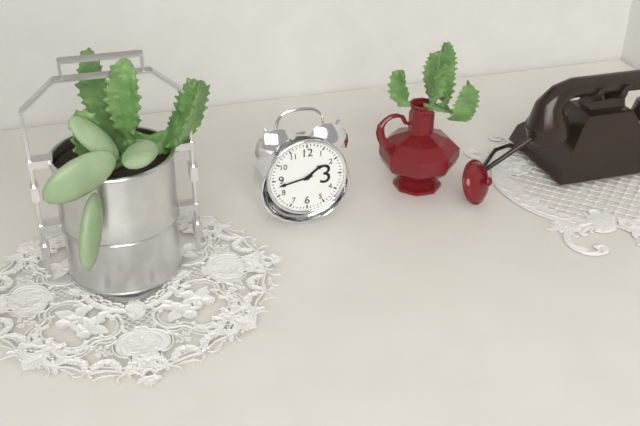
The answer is **1:43**
